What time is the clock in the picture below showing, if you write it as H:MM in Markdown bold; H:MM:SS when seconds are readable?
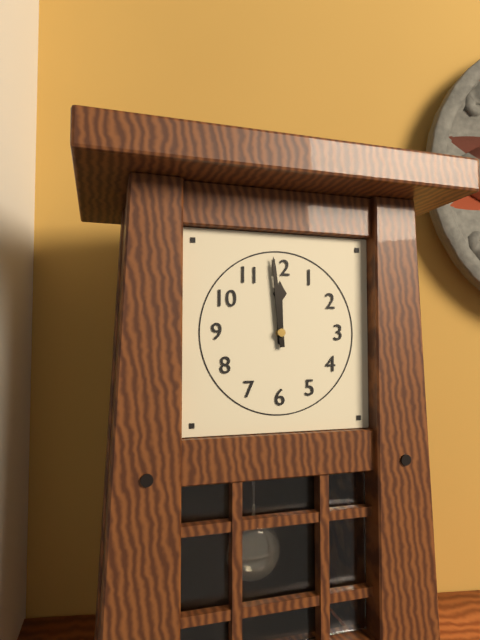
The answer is **11:59**
